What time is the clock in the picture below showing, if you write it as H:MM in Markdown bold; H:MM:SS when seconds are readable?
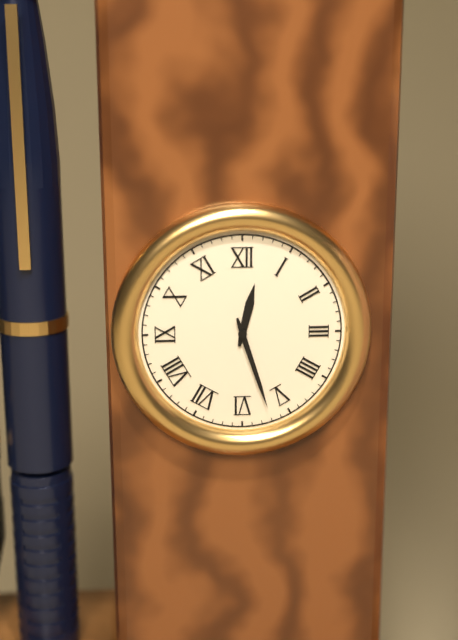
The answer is **12:27**
